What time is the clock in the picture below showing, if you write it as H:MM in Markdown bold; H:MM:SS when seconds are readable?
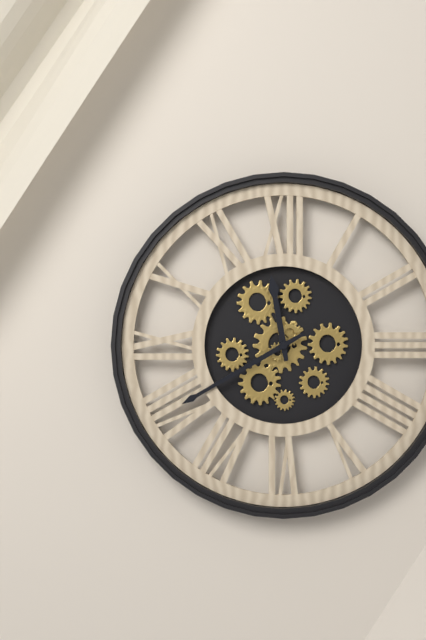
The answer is **11:40**
